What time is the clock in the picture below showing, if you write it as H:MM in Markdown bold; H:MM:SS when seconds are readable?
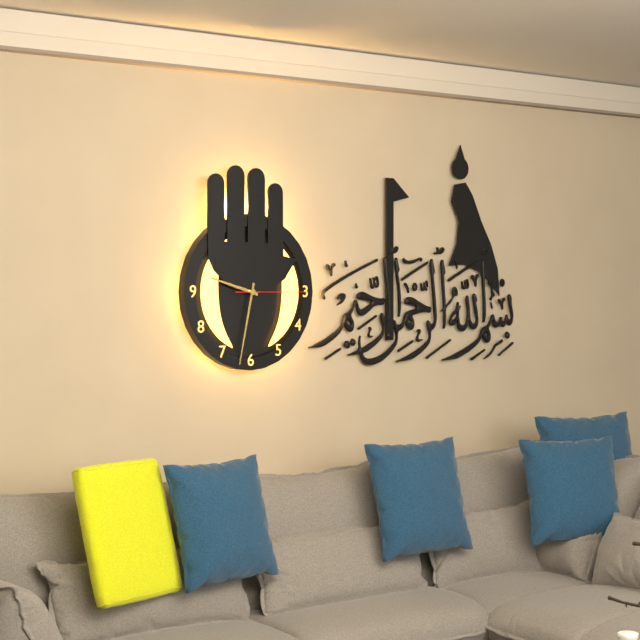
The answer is **9:32:15**
